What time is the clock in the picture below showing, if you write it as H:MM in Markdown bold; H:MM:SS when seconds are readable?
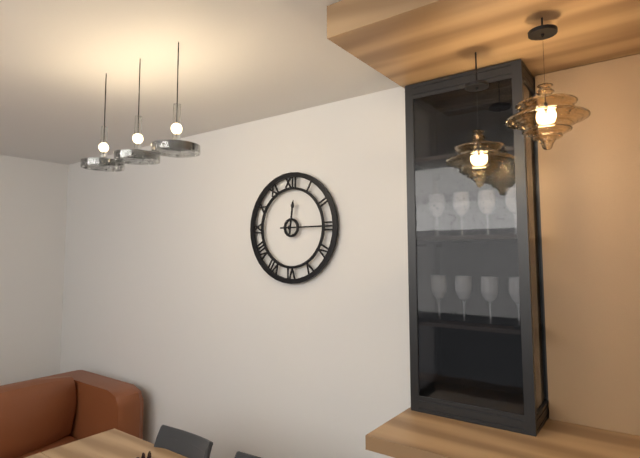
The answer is **12:15**
